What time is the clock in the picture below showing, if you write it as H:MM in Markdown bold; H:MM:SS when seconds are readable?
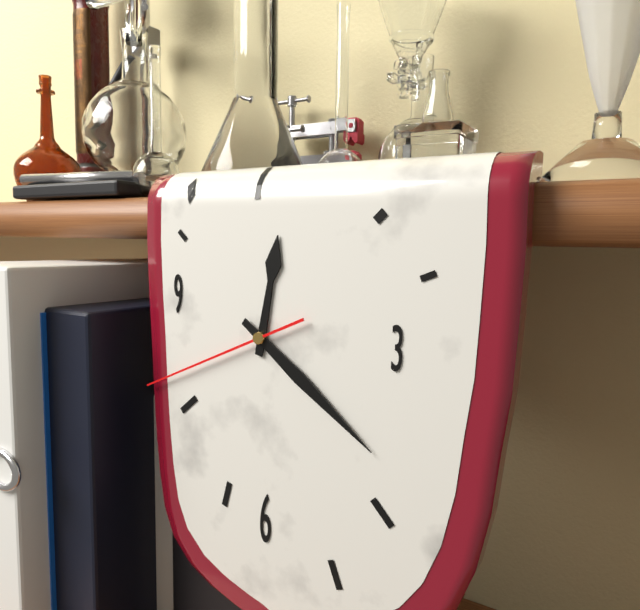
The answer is **12:21:41**
